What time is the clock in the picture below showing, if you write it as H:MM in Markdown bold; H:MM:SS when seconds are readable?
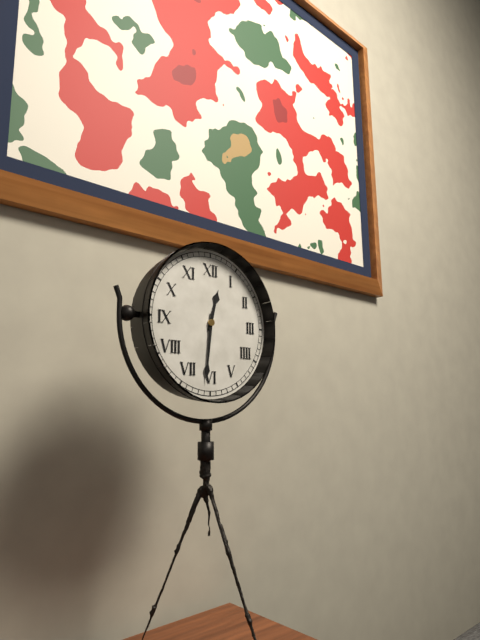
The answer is **12:31**
